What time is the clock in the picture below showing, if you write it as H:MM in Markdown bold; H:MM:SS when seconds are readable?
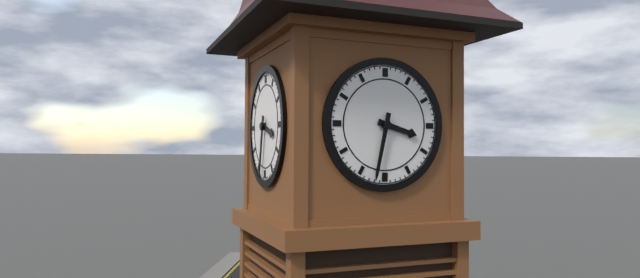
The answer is **3:32**
